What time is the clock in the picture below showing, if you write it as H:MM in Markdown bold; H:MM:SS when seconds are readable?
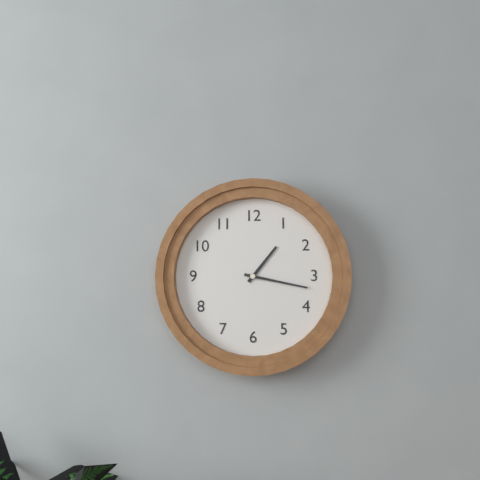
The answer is **1:17**
